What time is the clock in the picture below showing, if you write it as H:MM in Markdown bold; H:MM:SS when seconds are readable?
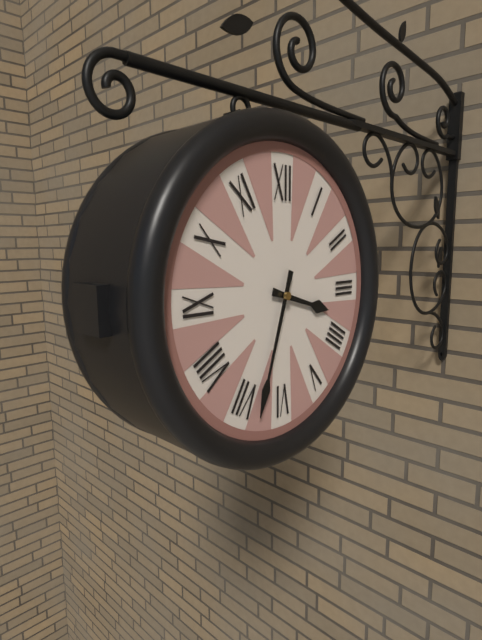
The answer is **3:33**
